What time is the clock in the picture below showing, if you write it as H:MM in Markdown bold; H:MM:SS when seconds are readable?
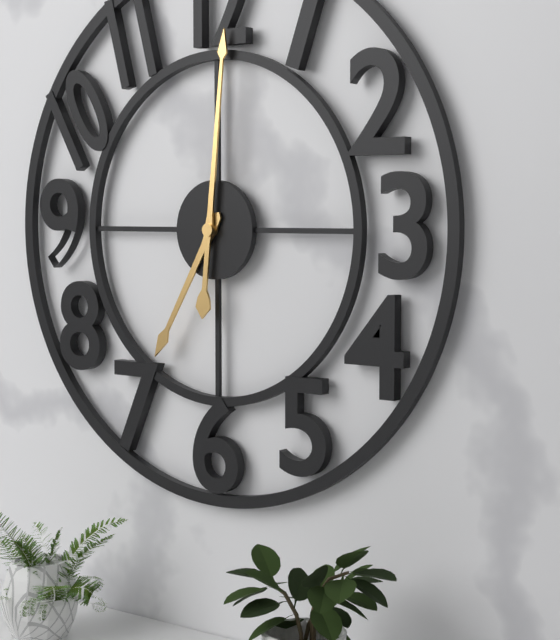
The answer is **7:01**
